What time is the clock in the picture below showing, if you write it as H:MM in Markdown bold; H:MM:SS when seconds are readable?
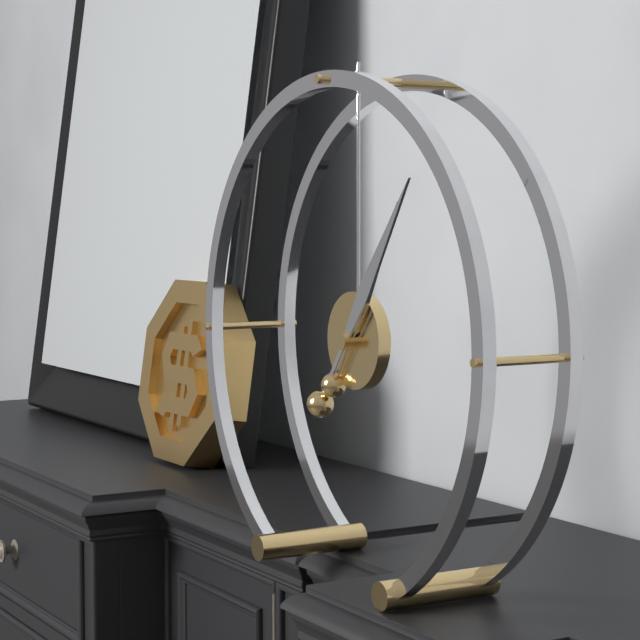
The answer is **1:06**
